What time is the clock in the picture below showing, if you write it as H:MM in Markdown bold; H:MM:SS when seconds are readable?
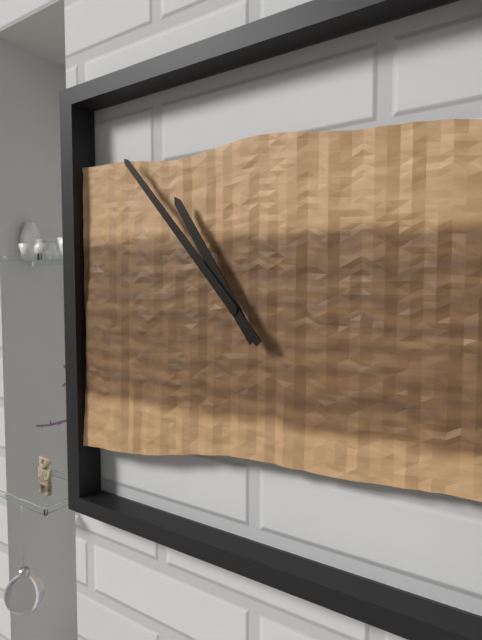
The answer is **10:53**
